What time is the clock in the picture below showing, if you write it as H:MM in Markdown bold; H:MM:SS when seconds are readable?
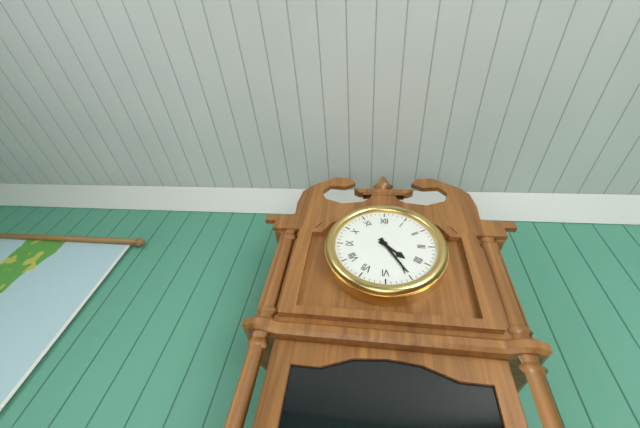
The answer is **4:25**
